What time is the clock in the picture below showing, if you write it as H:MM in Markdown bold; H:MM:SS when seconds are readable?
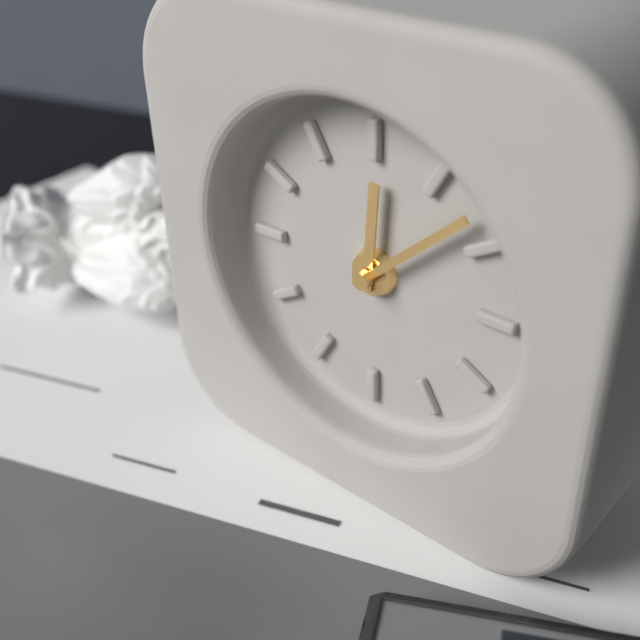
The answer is **12:08**
